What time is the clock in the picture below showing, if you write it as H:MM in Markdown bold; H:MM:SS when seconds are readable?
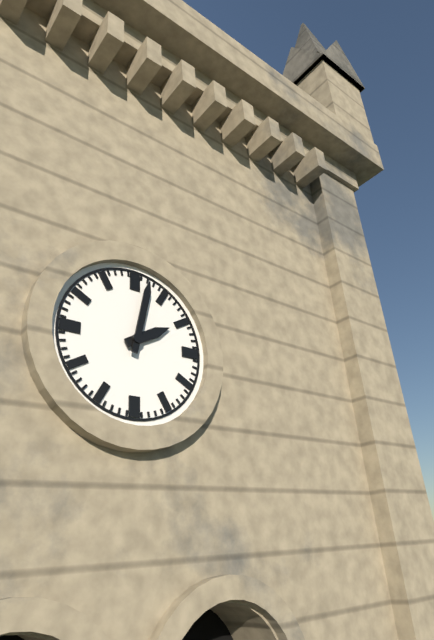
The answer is **2:02**
